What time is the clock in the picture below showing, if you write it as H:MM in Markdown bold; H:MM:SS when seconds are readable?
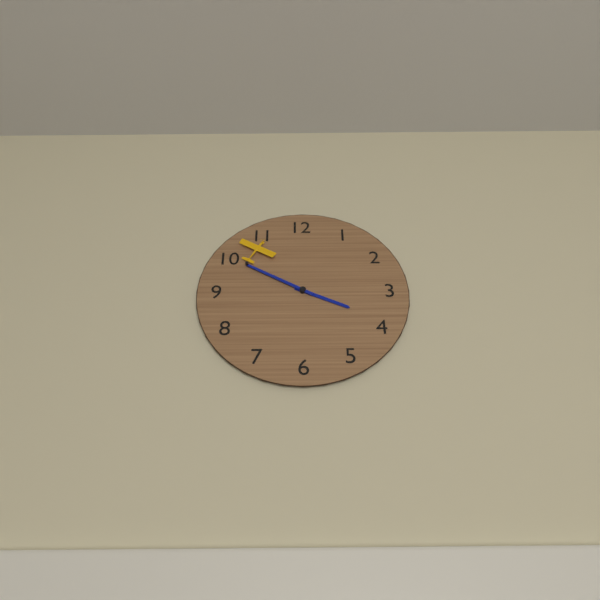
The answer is **3:50**
